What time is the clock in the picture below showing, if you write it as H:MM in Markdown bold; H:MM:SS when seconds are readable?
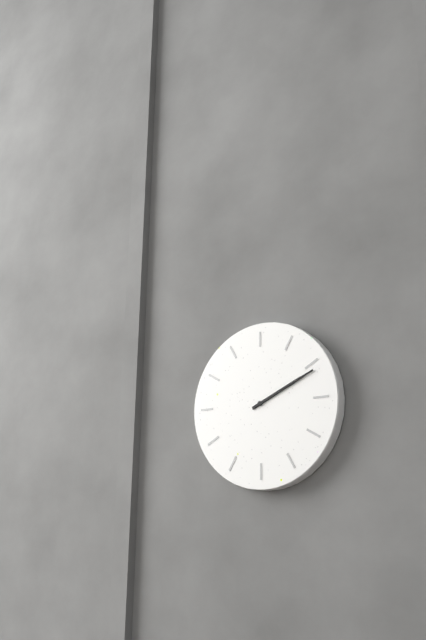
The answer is **2:11**
